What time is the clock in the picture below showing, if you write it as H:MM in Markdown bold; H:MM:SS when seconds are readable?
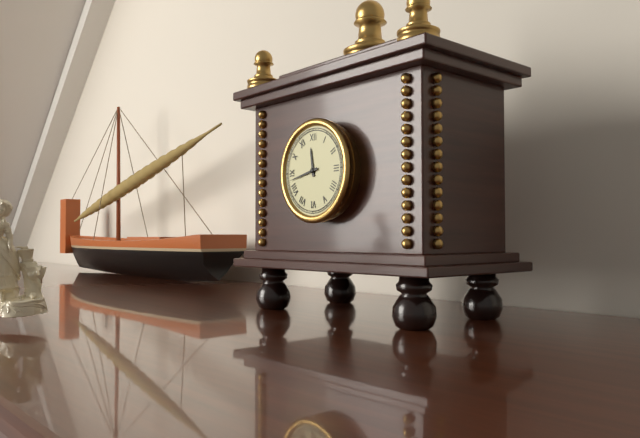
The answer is **11:43**
